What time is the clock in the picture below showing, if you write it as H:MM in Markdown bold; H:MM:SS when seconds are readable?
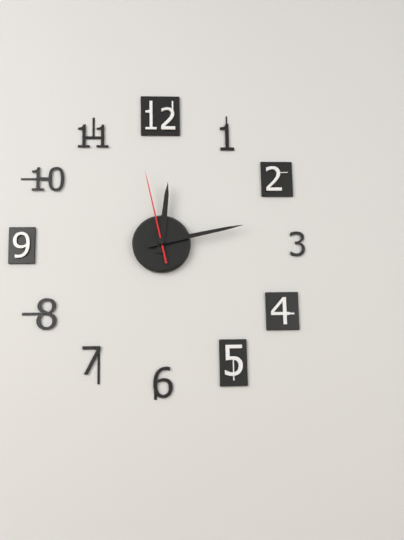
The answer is **12:13:58**
